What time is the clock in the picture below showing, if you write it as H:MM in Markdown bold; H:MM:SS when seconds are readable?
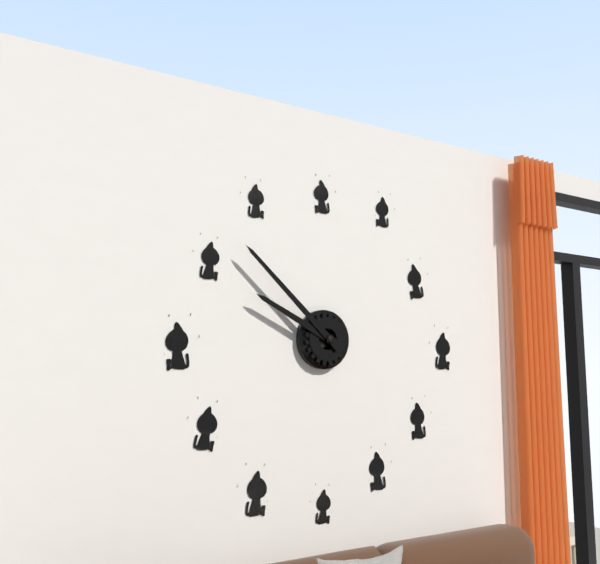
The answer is **9:52**
